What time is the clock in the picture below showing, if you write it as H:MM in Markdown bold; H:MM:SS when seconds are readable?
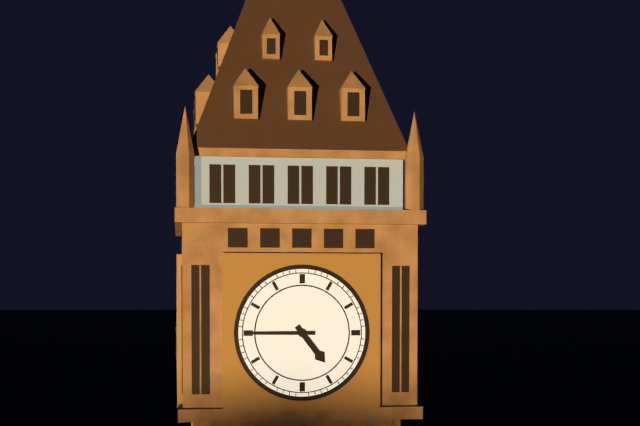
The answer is **4:45**
